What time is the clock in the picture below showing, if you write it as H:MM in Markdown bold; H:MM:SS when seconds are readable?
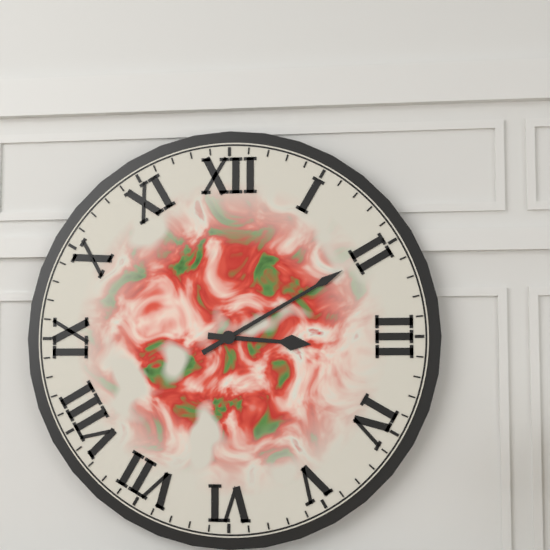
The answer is **3:10**
